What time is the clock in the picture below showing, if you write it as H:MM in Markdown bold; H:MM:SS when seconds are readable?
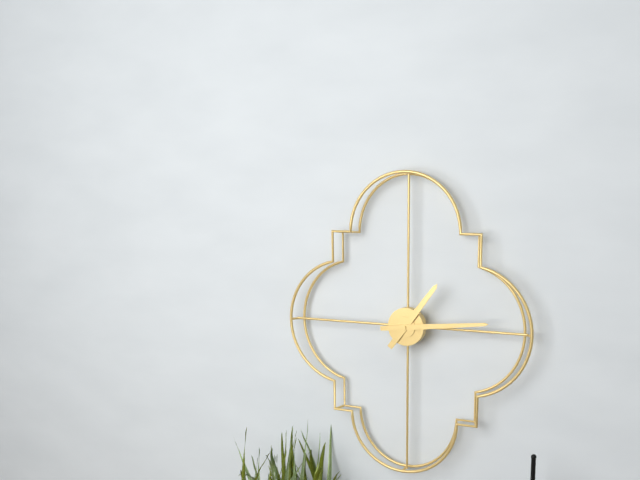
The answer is **1:14**
